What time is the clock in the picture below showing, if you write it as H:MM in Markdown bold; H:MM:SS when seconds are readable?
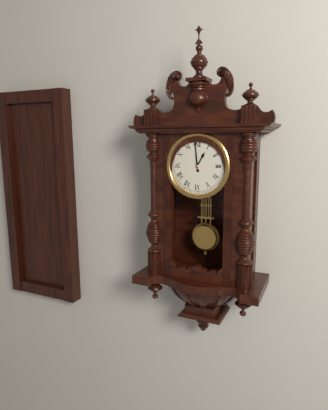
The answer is **12:59**
